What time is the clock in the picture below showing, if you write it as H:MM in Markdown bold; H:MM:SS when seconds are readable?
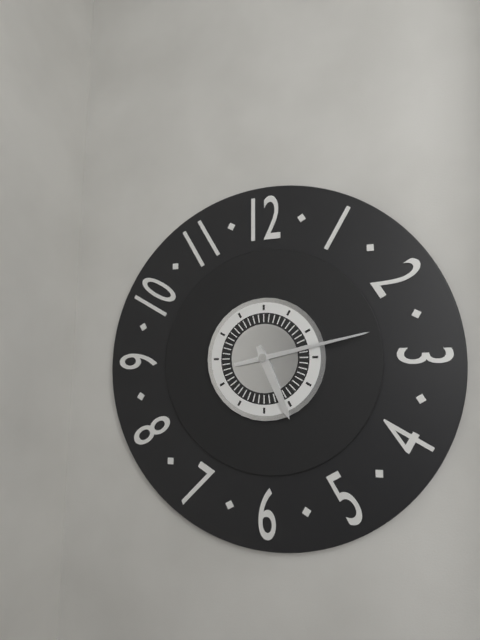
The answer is **5:13**
